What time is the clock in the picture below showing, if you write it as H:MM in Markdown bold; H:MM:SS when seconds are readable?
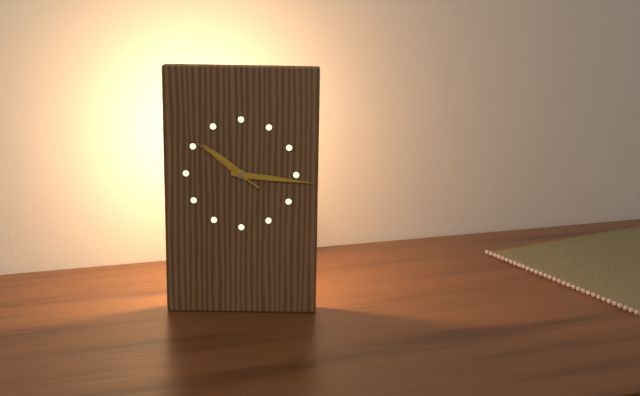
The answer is **10:16:51**
